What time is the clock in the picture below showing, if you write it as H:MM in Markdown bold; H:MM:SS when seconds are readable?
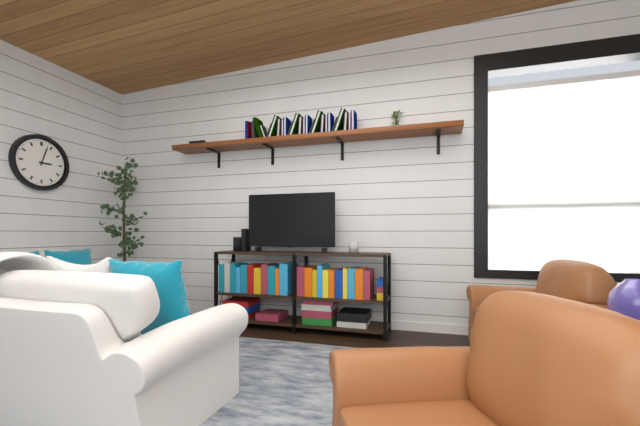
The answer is **3:03**
